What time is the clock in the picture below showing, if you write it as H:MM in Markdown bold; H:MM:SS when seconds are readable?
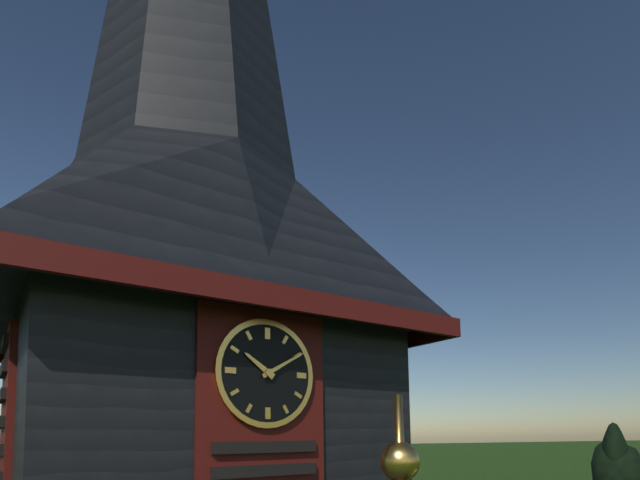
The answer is **10:10**
